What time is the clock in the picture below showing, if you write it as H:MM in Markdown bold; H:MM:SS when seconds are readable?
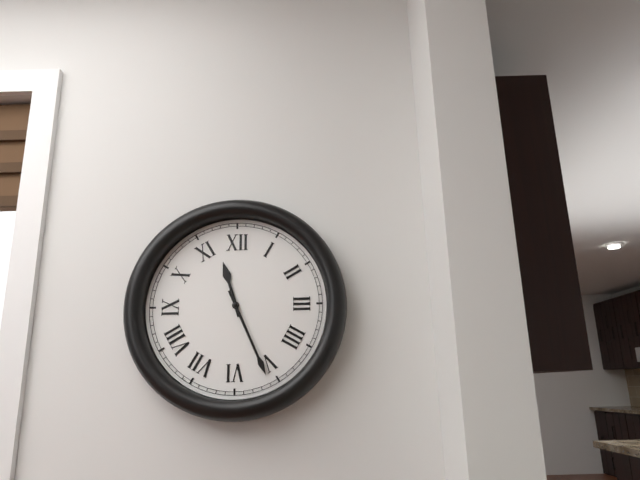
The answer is **11:26**
